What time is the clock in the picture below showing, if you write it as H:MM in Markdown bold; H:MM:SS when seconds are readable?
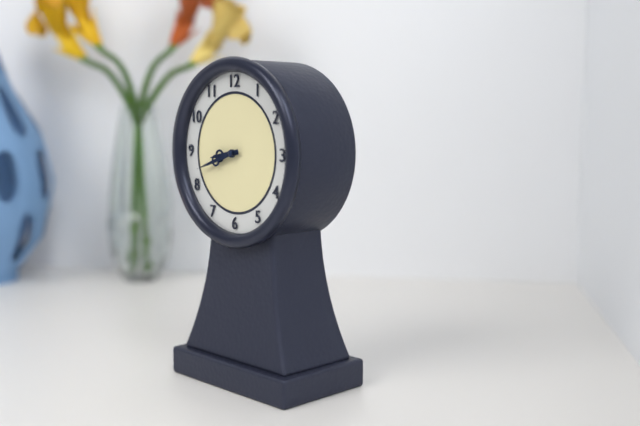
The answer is **8:42**
